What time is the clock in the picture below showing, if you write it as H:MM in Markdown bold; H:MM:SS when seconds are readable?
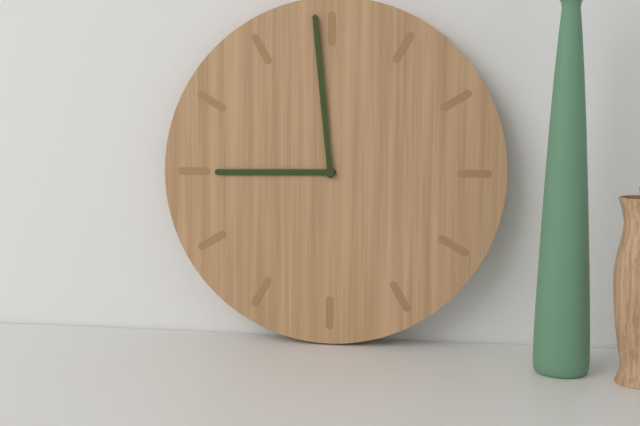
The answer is **8:59**
